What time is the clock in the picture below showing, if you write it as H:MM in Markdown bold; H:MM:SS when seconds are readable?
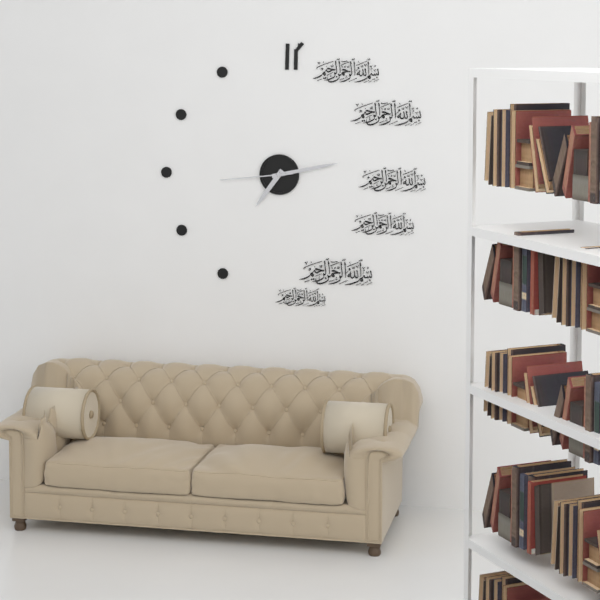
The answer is **7:13:44**
